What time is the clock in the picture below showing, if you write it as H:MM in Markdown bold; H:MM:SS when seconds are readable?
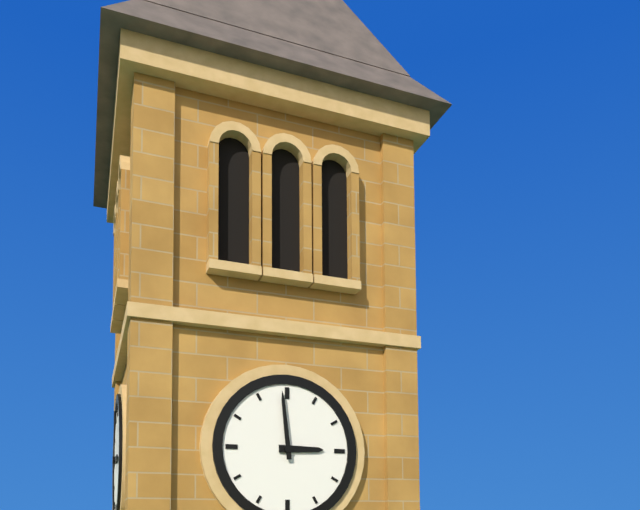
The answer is **2:59**
